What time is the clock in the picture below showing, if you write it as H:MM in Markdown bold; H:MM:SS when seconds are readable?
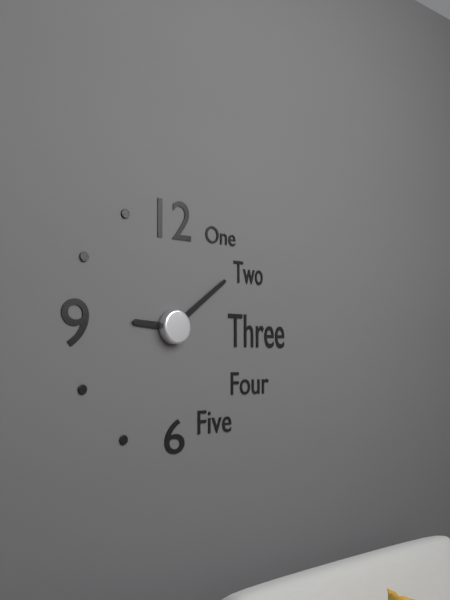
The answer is **9:09**
